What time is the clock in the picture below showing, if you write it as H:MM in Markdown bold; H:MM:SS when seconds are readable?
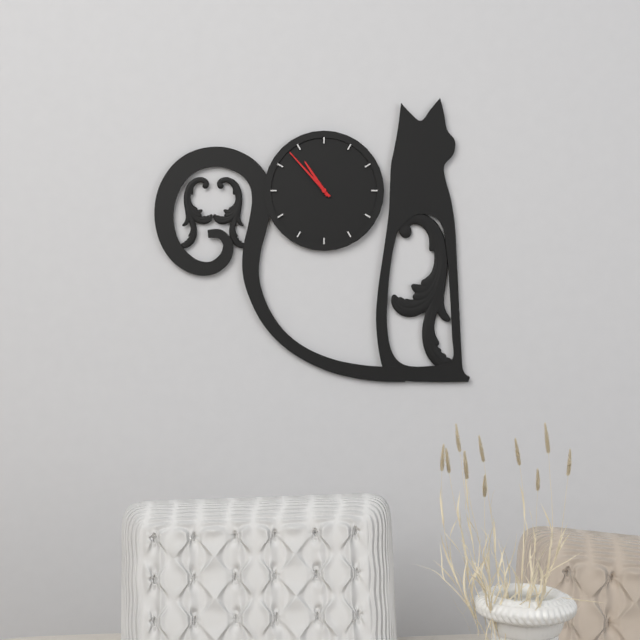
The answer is **10:53**
